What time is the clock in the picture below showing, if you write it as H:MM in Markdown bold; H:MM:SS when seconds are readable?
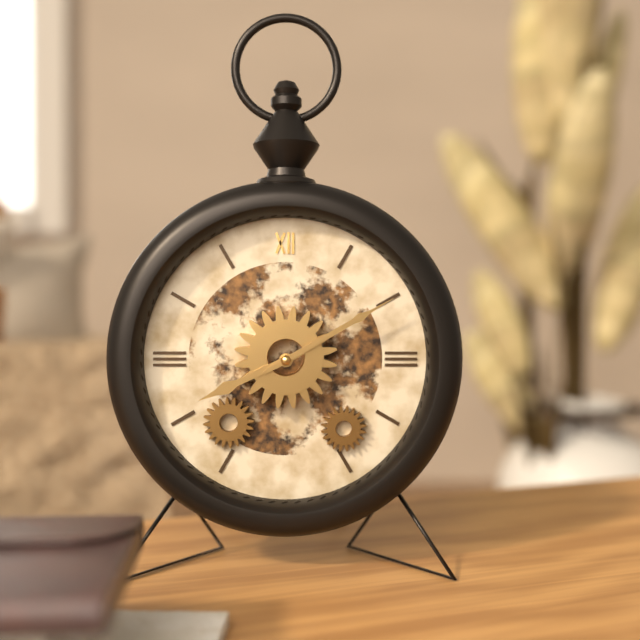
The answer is **8:10**
